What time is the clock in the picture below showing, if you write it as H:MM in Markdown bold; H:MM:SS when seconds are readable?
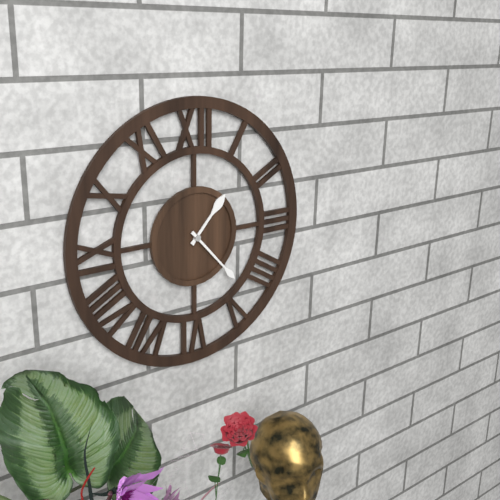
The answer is **1:23**
